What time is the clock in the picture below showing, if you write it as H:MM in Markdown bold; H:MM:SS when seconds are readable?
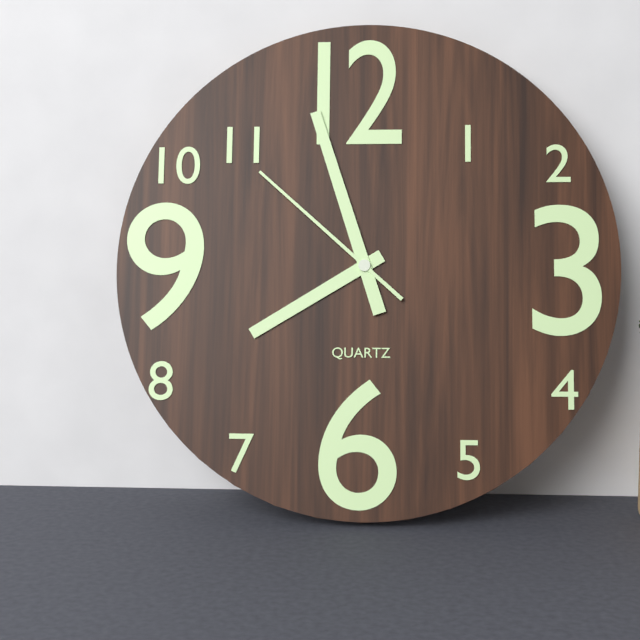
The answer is **7:57:52**
